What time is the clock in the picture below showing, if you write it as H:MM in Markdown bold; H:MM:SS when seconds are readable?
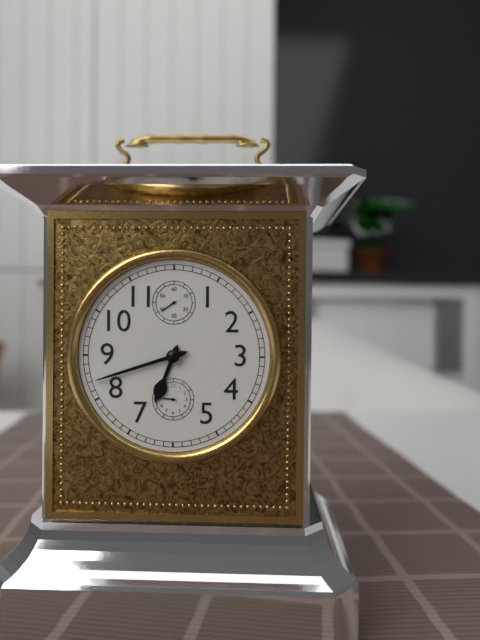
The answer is **6:42**
